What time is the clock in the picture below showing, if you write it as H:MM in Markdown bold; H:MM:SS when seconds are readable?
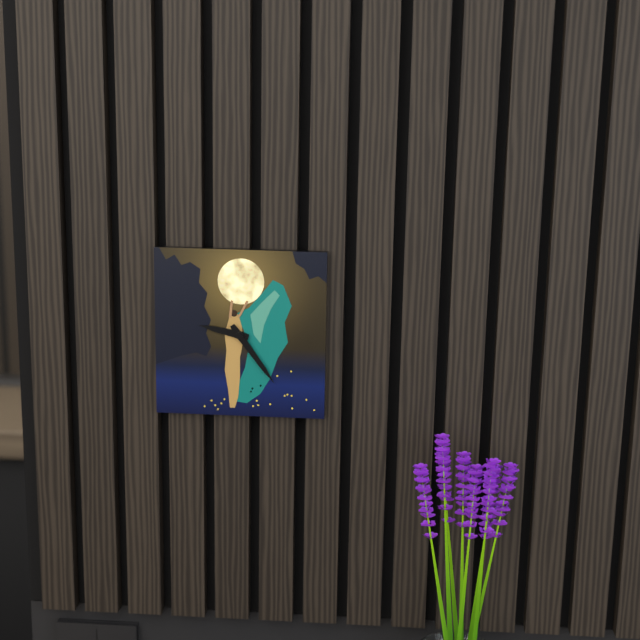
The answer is **9:24**
